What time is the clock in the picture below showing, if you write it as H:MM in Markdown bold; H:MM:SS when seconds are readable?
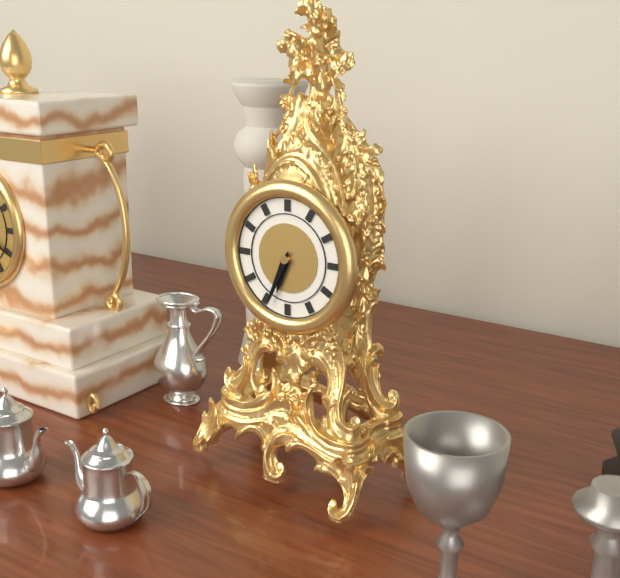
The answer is **6:34**
